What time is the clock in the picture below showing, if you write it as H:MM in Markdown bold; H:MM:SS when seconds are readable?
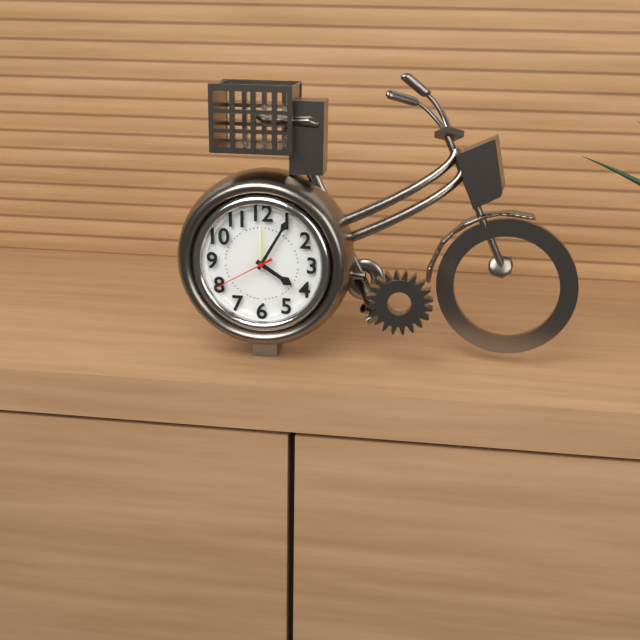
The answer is **4:05:40**
